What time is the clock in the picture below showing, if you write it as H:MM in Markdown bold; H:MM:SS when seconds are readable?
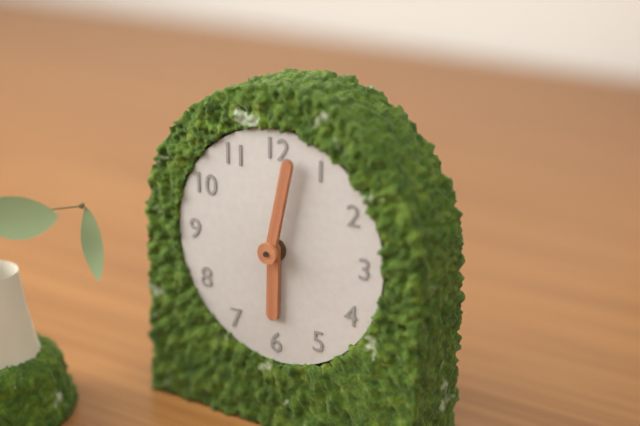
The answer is **6:02**
